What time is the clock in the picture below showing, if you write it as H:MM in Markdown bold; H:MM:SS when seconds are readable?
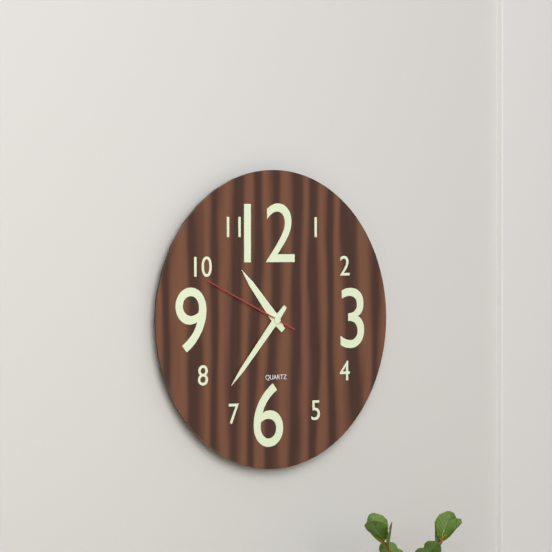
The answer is **10:37:49**
